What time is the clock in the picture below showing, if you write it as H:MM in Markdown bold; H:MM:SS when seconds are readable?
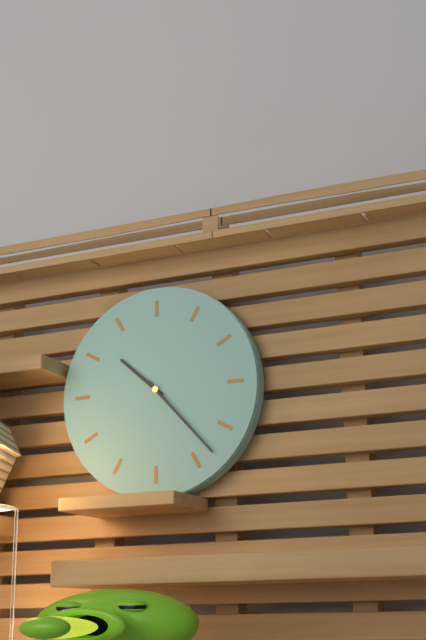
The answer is **10:23**
